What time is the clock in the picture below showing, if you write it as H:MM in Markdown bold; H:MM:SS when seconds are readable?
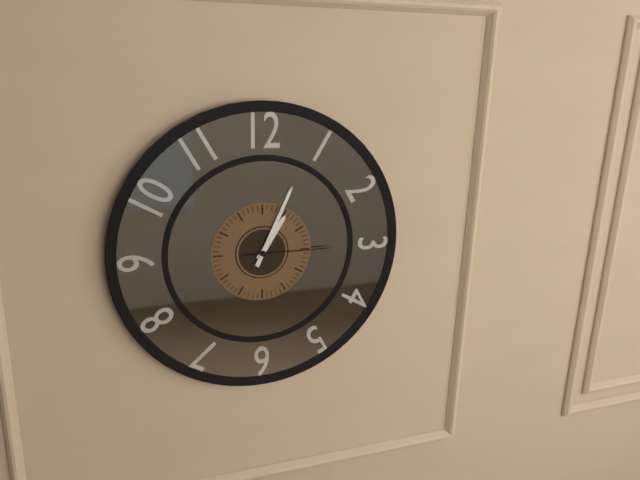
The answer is **1:04:15**
